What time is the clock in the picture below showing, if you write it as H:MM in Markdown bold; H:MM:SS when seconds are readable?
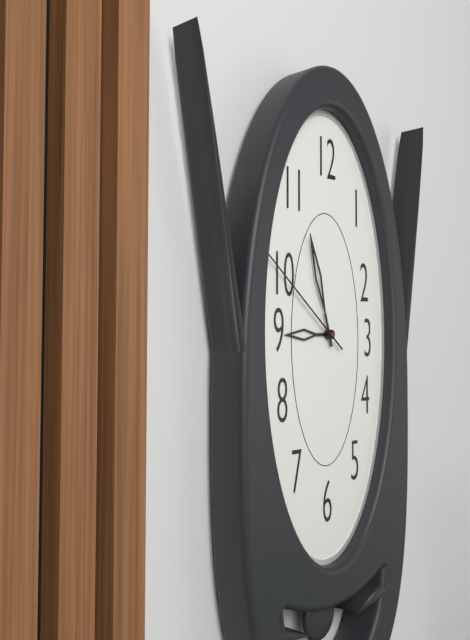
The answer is **8:57:51**
